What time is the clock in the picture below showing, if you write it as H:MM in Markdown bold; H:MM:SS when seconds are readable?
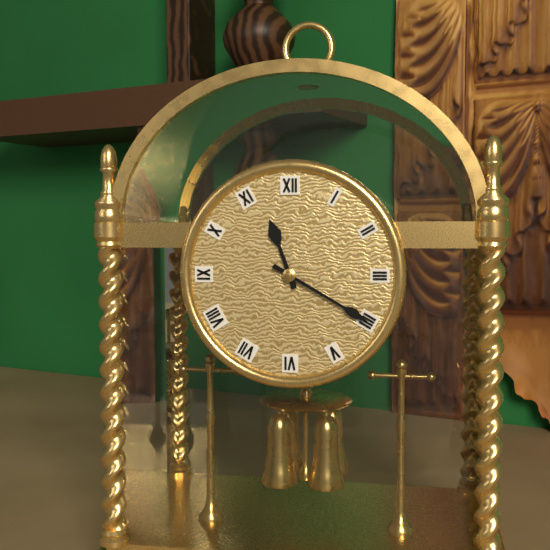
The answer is **11:20**
